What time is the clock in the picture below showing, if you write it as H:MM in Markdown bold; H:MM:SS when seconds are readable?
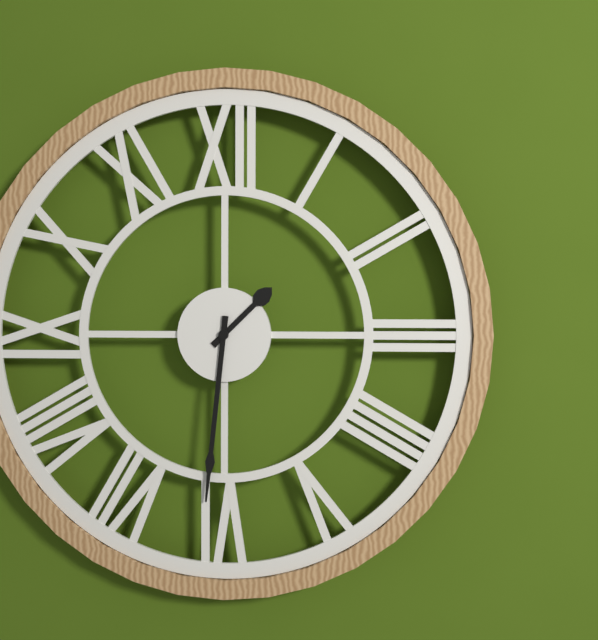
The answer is **1:31**
